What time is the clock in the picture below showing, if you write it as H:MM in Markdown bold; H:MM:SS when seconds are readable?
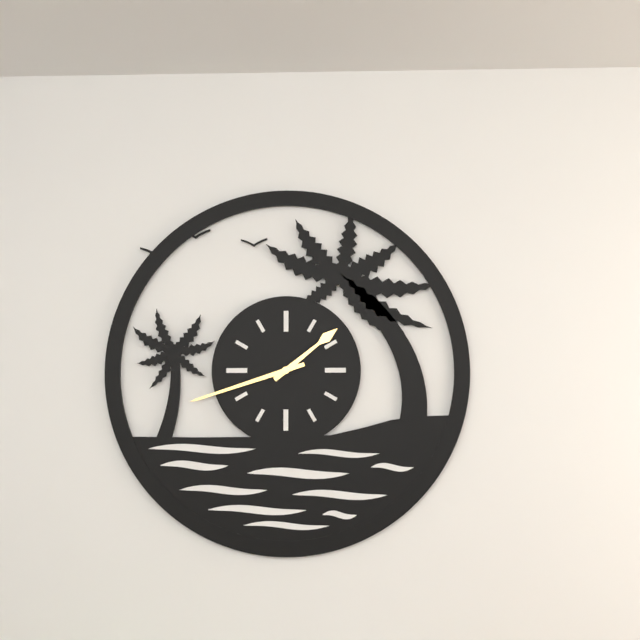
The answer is **1:42**
